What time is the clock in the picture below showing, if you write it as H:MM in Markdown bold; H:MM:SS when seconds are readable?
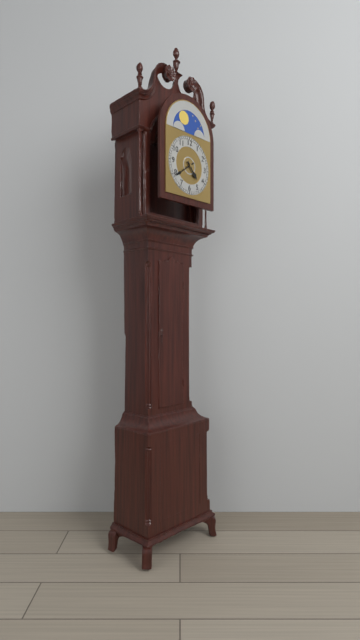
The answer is **4:39**
